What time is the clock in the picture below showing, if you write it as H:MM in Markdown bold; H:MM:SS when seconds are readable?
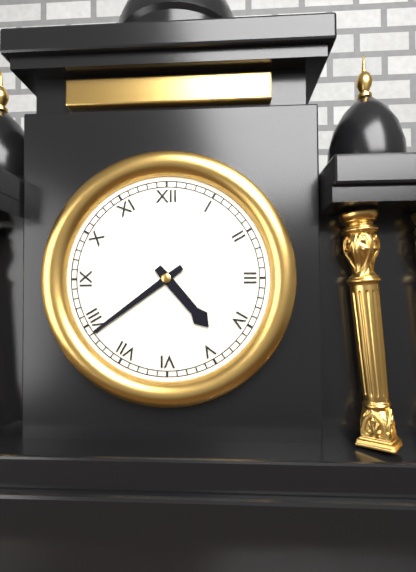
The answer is **4:39**
